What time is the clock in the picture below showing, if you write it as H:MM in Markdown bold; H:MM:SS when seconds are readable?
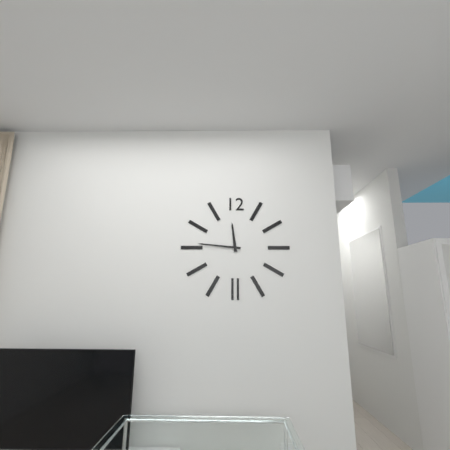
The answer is **11:46**
